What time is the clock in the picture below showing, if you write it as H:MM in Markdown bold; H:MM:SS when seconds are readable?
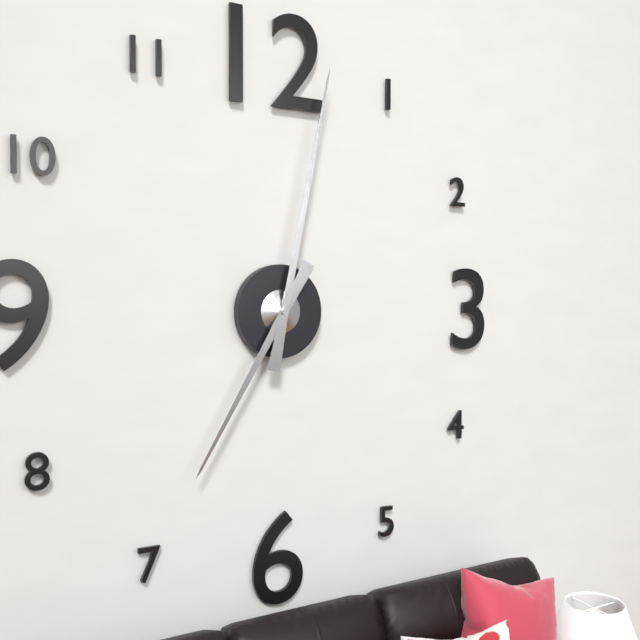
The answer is **7:02**
